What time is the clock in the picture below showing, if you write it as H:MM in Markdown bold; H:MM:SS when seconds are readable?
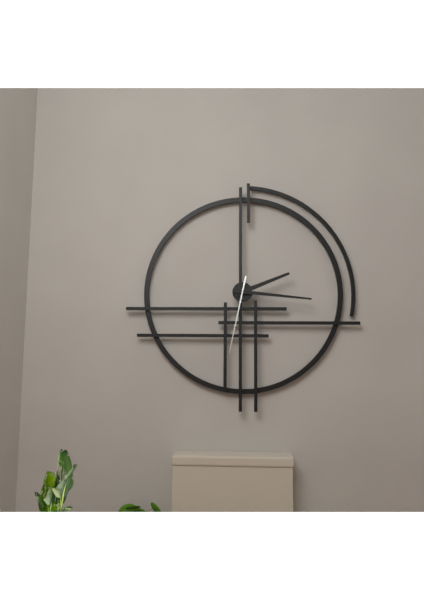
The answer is **2:16:32**
